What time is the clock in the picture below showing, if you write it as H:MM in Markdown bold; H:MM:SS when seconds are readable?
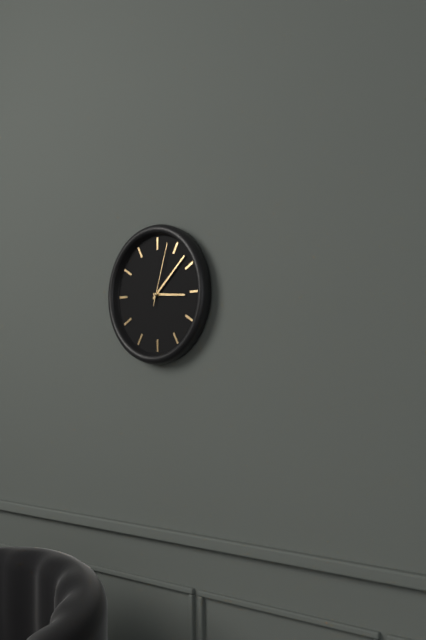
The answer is **3:08:03**
